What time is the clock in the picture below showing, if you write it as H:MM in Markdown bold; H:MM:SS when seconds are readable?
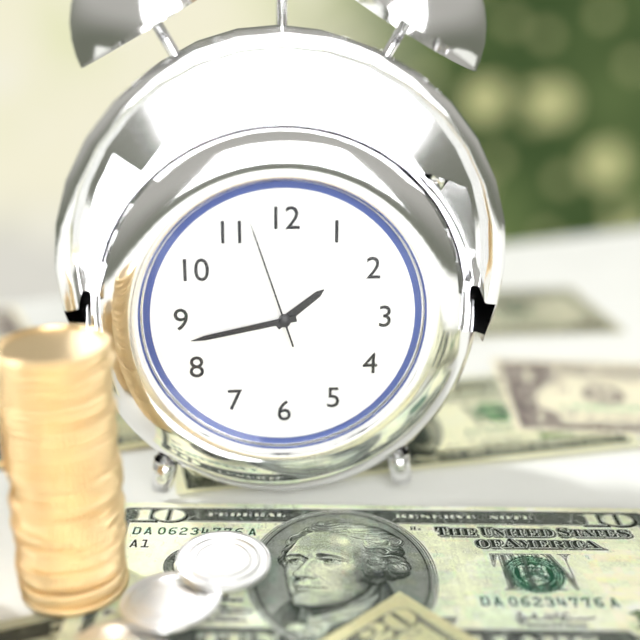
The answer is **1:43:57**
